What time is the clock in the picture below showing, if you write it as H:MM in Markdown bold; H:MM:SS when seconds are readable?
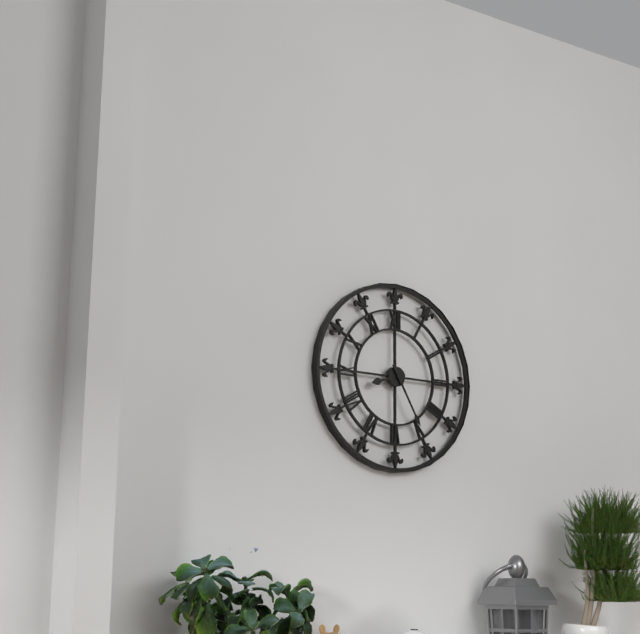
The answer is **8:25**
